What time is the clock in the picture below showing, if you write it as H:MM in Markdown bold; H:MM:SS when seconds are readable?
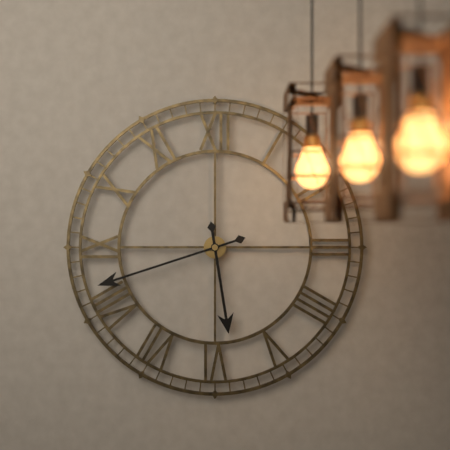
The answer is **5:42**
